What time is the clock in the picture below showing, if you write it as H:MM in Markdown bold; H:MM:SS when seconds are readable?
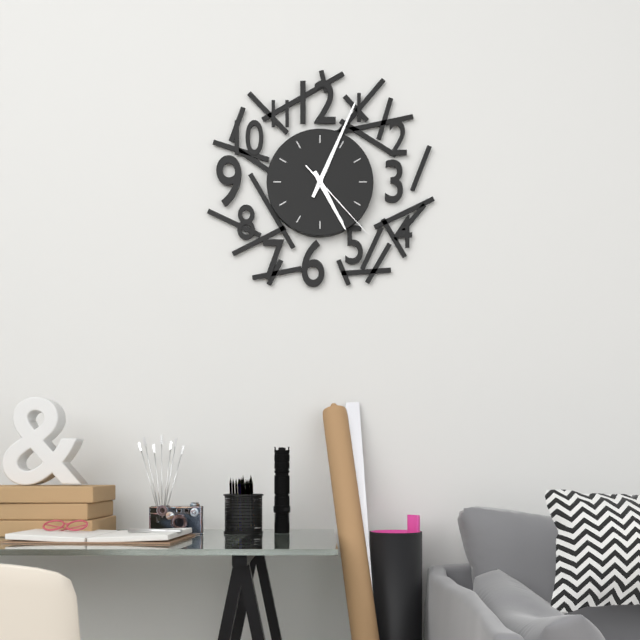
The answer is **5:04:23**
